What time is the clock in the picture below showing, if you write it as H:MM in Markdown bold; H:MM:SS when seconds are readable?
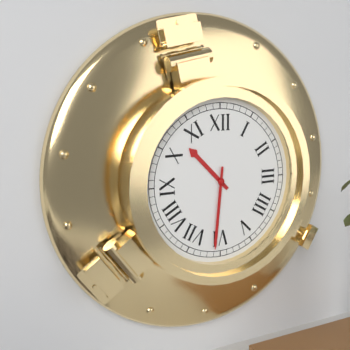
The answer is **10:31**
